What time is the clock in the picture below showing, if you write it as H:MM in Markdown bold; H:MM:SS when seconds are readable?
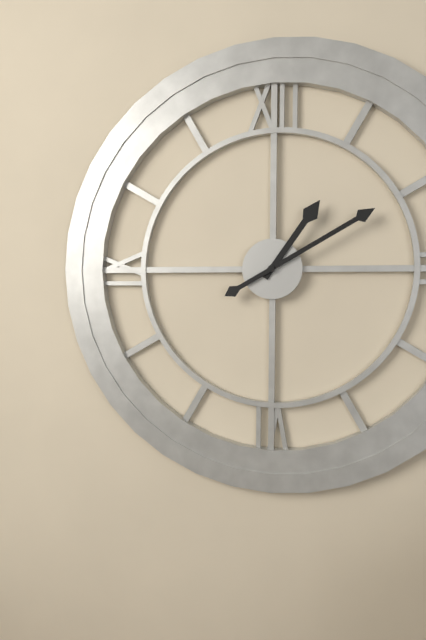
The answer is **1:10**
